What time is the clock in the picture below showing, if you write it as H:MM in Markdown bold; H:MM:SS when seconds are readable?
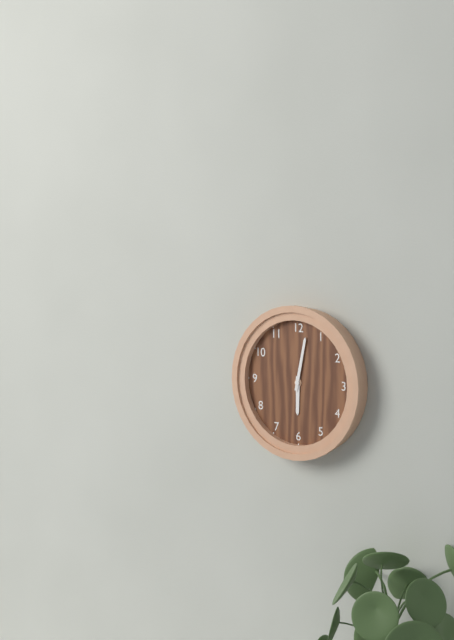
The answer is **6:02**
